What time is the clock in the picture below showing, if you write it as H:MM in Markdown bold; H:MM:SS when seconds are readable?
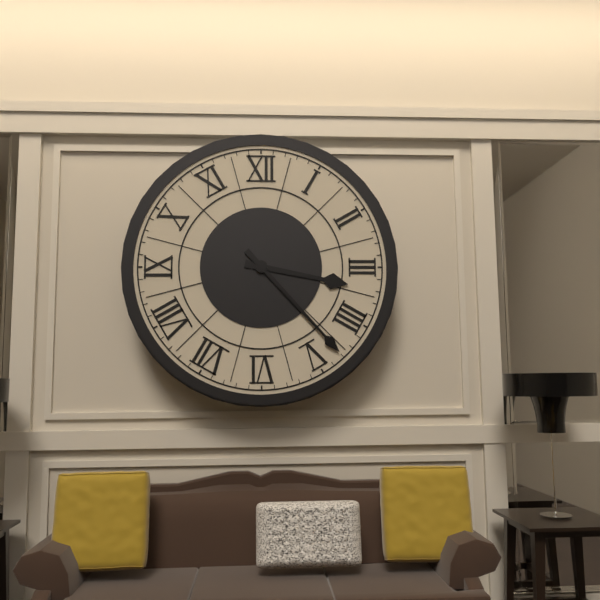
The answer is **3:23**
